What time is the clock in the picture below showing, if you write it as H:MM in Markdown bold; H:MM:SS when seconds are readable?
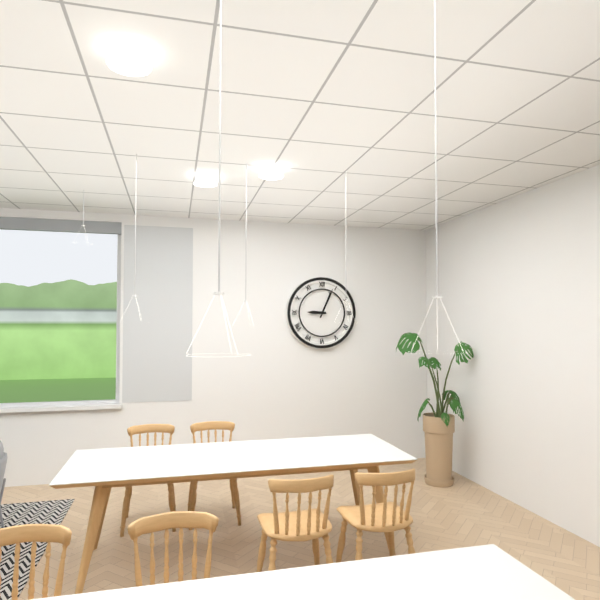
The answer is **9:04**
